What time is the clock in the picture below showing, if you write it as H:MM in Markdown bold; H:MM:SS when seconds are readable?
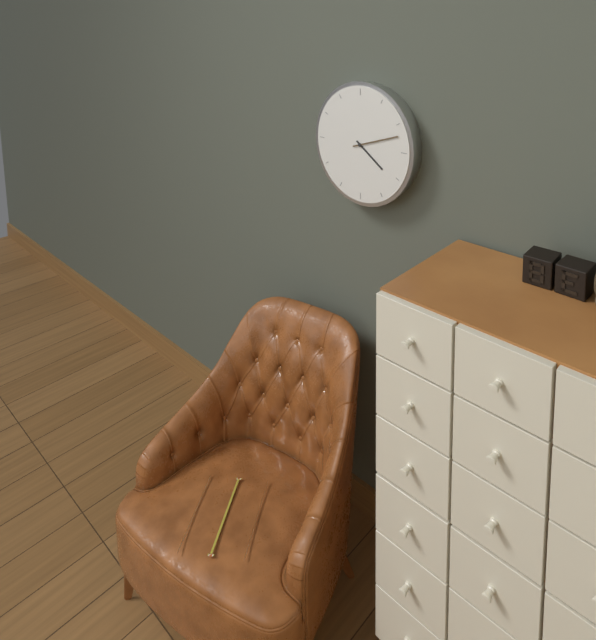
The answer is **4:12**
